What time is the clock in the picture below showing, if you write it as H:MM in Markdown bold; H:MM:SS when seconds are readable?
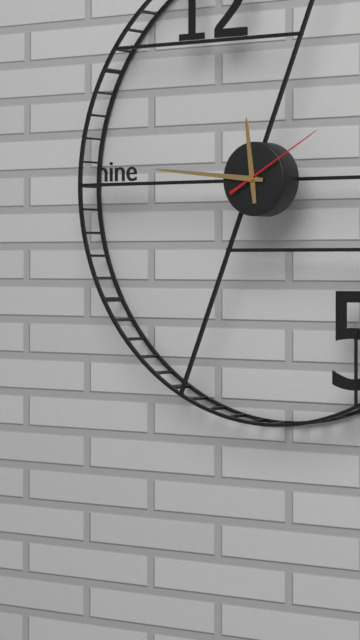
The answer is **11:46:10**
